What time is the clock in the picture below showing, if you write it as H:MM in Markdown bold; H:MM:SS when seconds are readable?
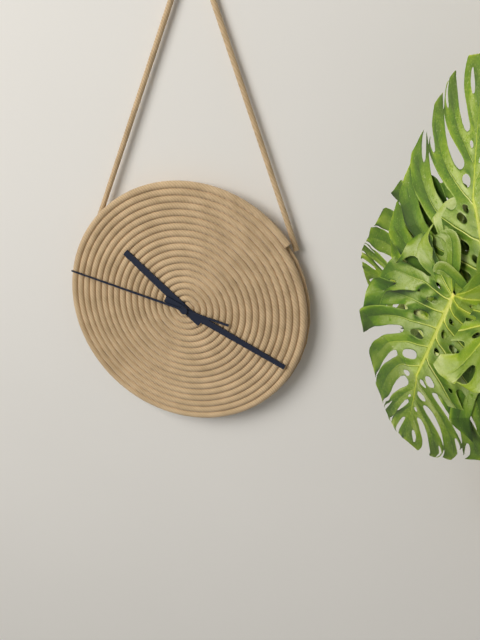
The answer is **10:19:47**
